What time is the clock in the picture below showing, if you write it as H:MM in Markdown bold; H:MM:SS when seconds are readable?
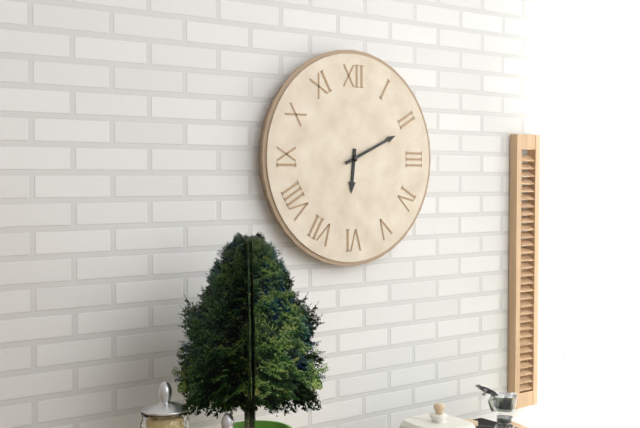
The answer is **6:11**
